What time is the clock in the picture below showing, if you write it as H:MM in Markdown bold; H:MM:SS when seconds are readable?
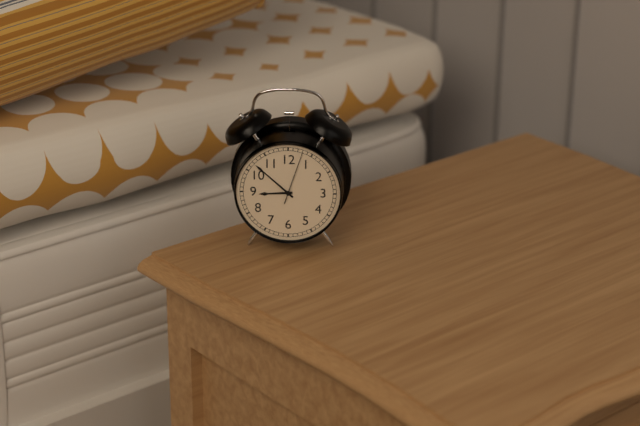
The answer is **8:52:03**
